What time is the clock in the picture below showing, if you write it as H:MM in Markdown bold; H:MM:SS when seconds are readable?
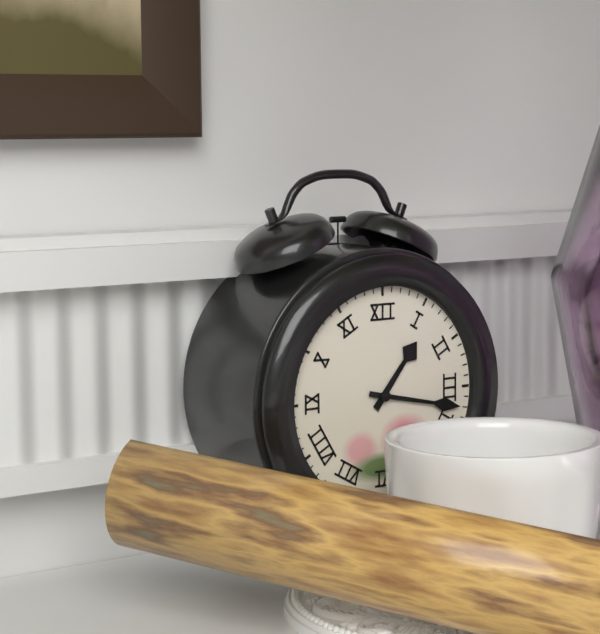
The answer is **1:17**
